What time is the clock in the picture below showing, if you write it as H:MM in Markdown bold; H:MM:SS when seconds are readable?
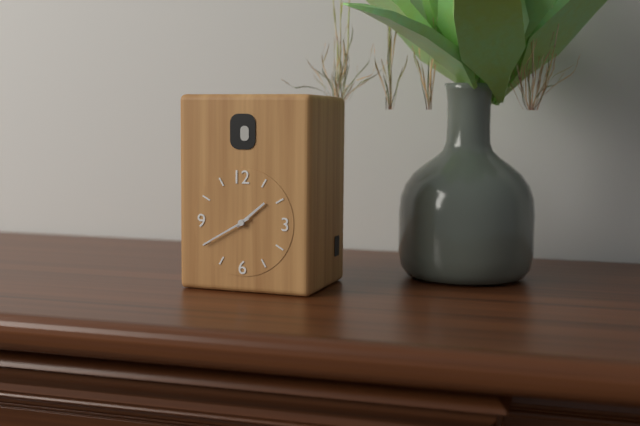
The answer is **1:40**
